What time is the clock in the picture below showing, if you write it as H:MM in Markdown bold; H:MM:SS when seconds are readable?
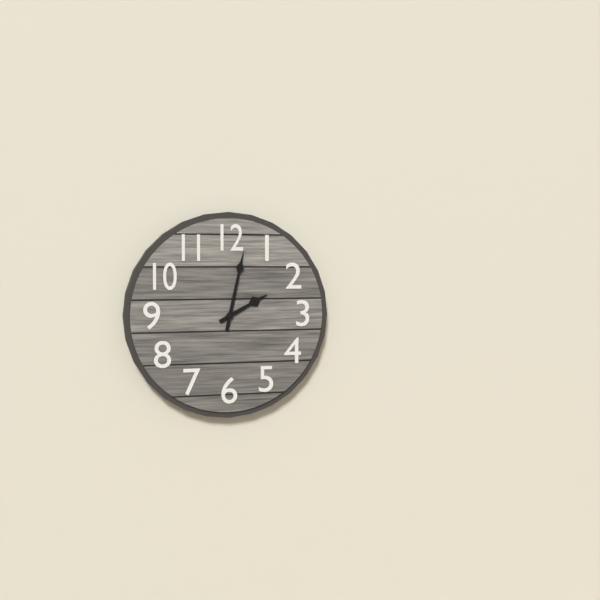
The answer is **2:02**
